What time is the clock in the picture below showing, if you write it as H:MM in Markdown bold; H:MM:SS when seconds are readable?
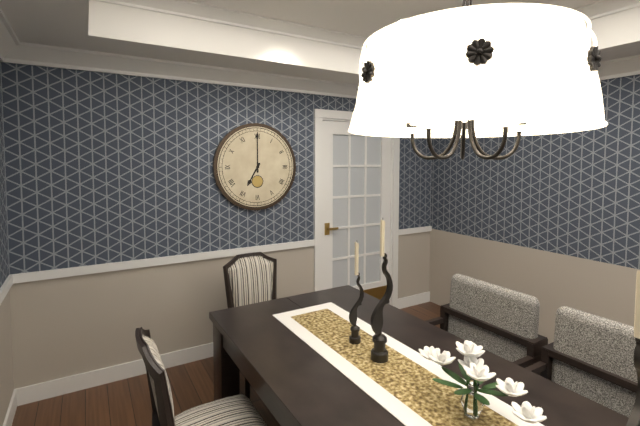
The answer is **7:00**
